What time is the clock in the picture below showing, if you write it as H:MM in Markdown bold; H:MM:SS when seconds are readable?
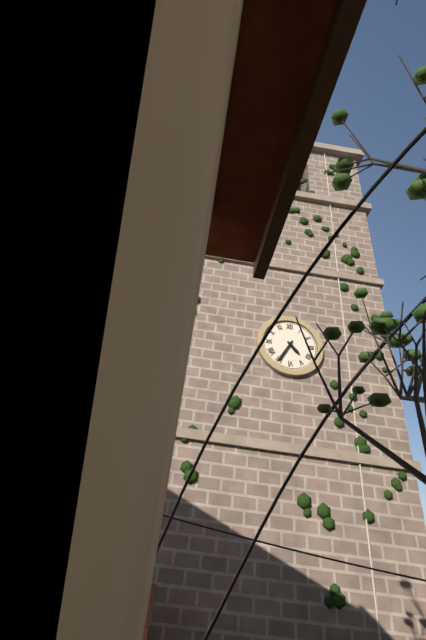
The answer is **4:35**
